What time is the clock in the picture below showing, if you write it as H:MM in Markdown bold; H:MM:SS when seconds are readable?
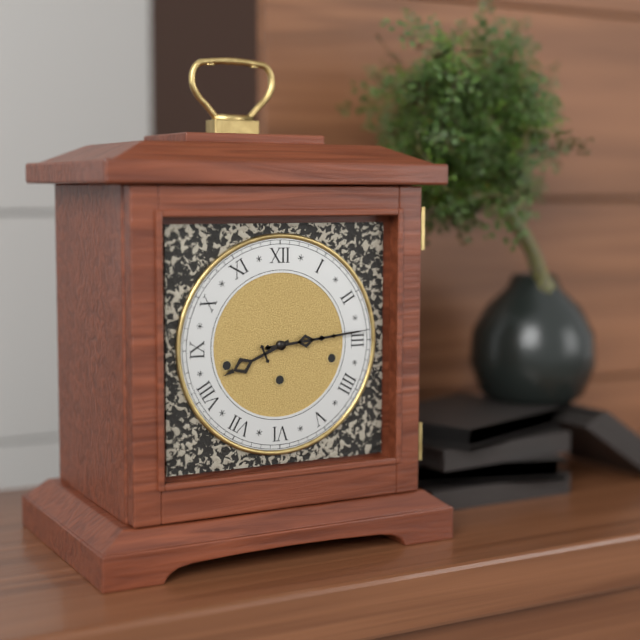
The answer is **8:14**
